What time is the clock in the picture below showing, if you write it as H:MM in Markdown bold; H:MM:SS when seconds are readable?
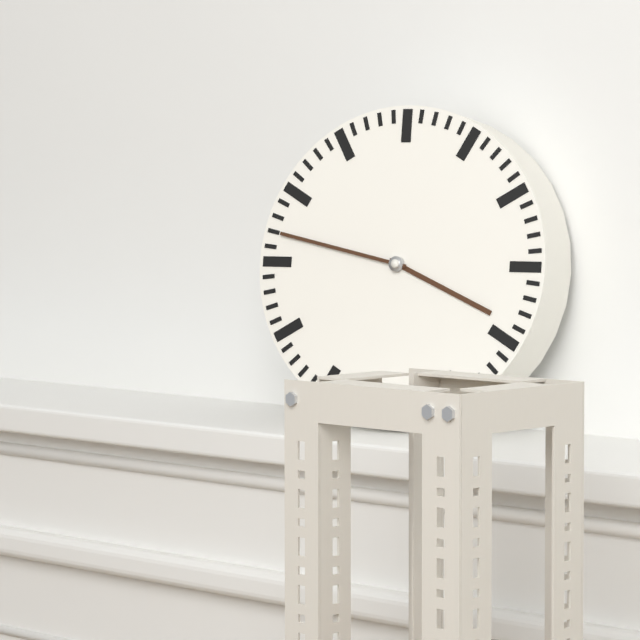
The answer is **3:47**
